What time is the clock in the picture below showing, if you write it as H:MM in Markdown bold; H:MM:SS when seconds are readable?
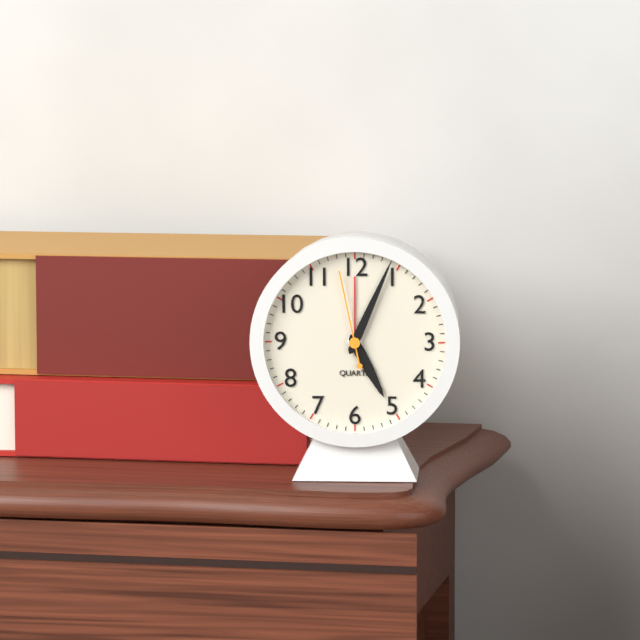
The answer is **5:04:58**
